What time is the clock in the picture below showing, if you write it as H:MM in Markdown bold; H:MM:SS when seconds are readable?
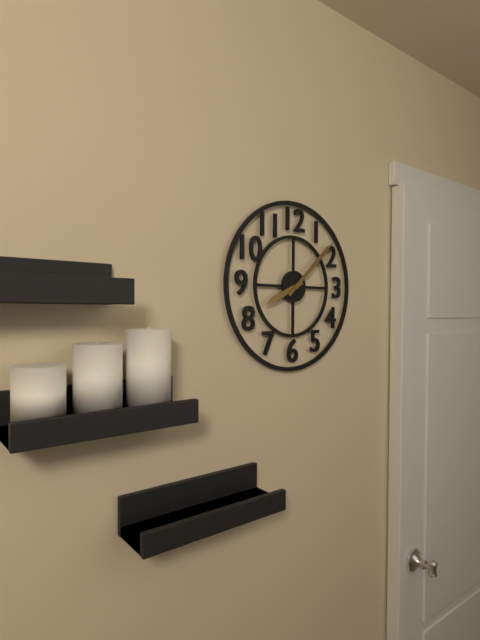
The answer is **8:08**
